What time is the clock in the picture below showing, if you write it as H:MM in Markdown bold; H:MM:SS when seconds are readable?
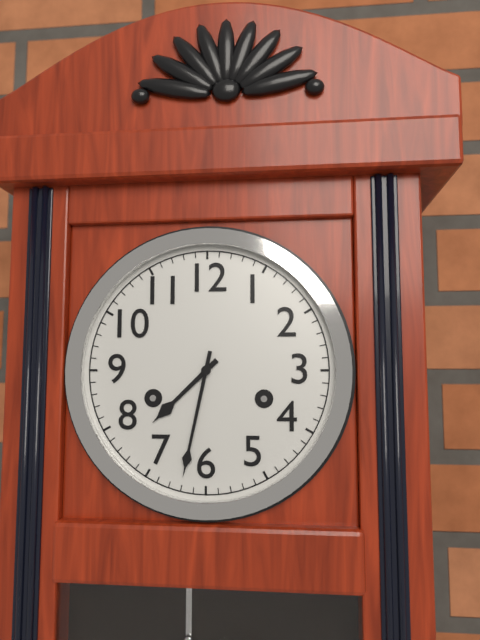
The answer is **7:32**
